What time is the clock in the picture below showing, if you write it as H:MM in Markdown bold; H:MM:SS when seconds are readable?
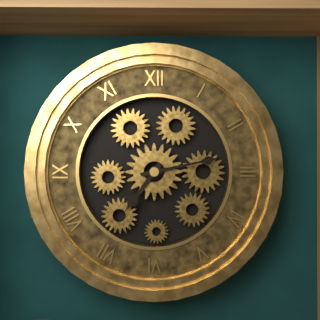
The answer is **7:13**
